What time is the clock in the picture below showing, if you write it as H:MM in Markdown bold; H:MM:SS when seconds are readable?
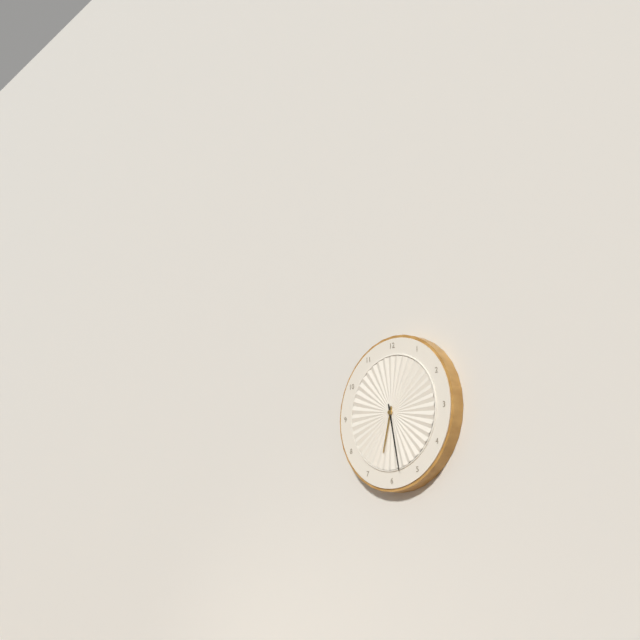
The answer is **6:28**
